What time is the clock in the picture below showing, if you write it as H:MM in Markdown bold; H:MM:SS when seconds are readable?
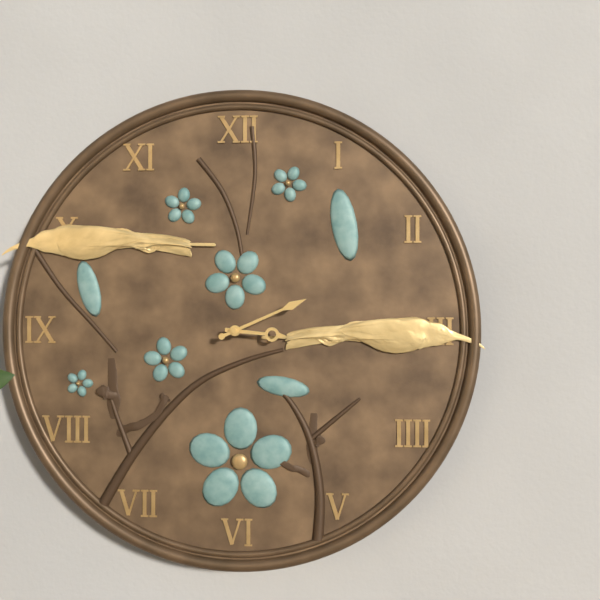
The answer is **3:11**
